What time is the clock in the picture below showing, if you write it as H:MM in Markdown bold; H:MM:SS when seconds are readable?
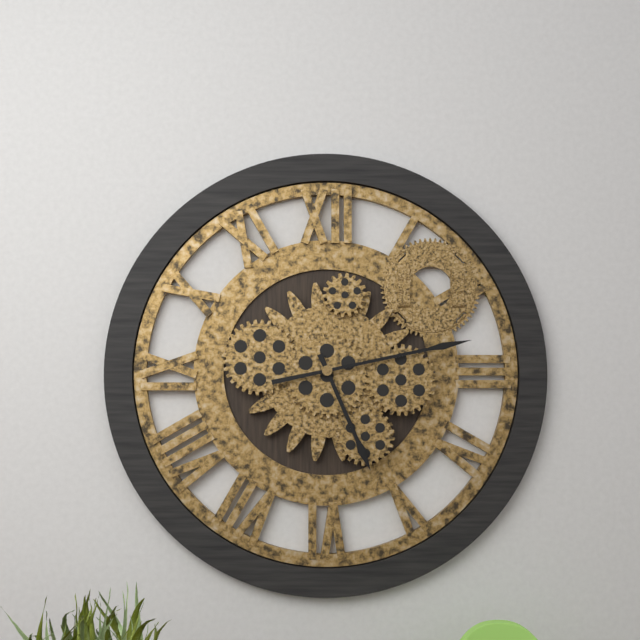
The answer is **5:13**
